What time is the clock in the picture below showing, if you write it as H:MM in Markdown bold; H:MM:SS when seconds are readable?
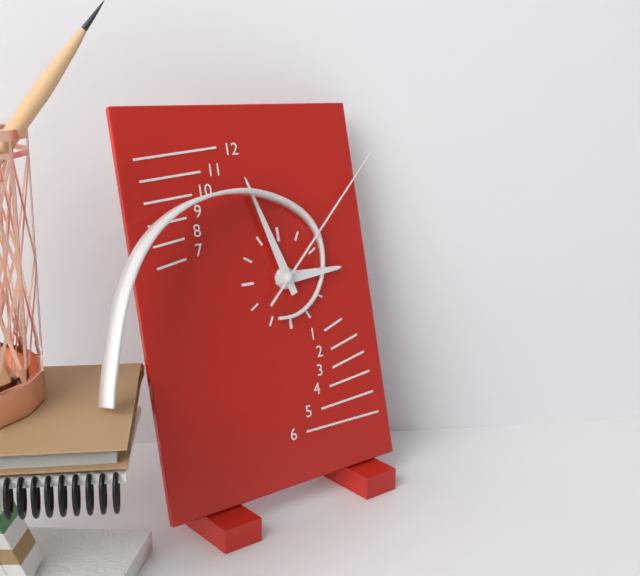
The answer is **2:57:08**
